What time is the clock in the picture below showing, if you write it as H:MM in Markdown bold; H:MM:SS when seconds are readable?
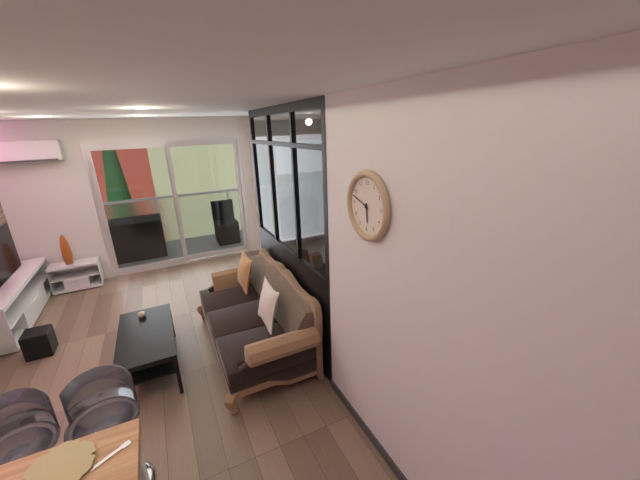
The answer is **5:48**
